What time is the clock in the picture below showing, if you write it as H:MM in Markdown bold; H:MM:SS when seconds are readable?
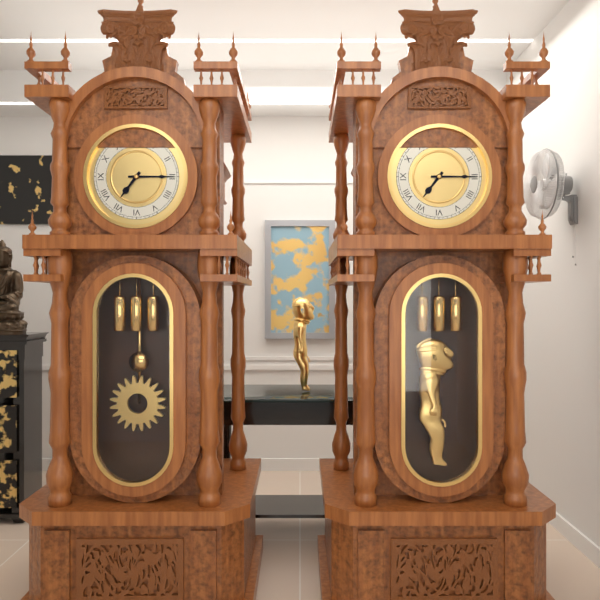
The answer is **7:15**
